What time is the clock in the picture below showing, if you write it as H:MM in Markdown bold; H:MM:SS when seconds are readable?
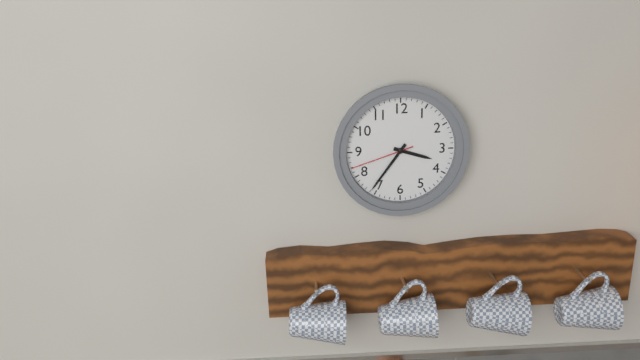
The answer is **3:36:42**
